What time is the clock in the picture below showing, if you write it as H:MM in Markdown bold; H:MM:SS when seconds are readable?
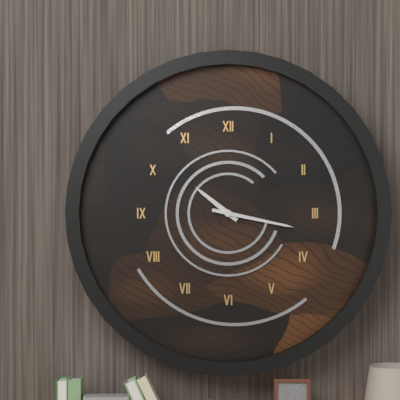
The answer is **10:17**
